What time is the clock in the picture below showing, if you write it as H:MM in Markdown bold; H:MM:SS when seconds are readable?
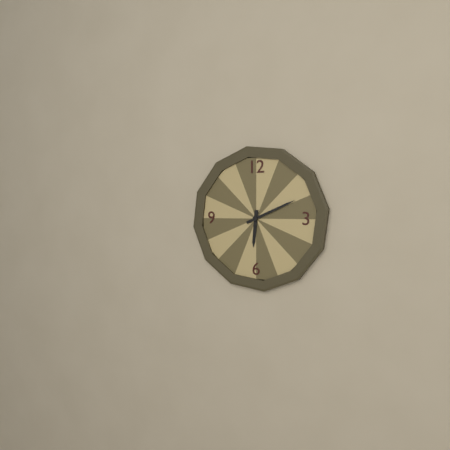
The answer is **6:11**
